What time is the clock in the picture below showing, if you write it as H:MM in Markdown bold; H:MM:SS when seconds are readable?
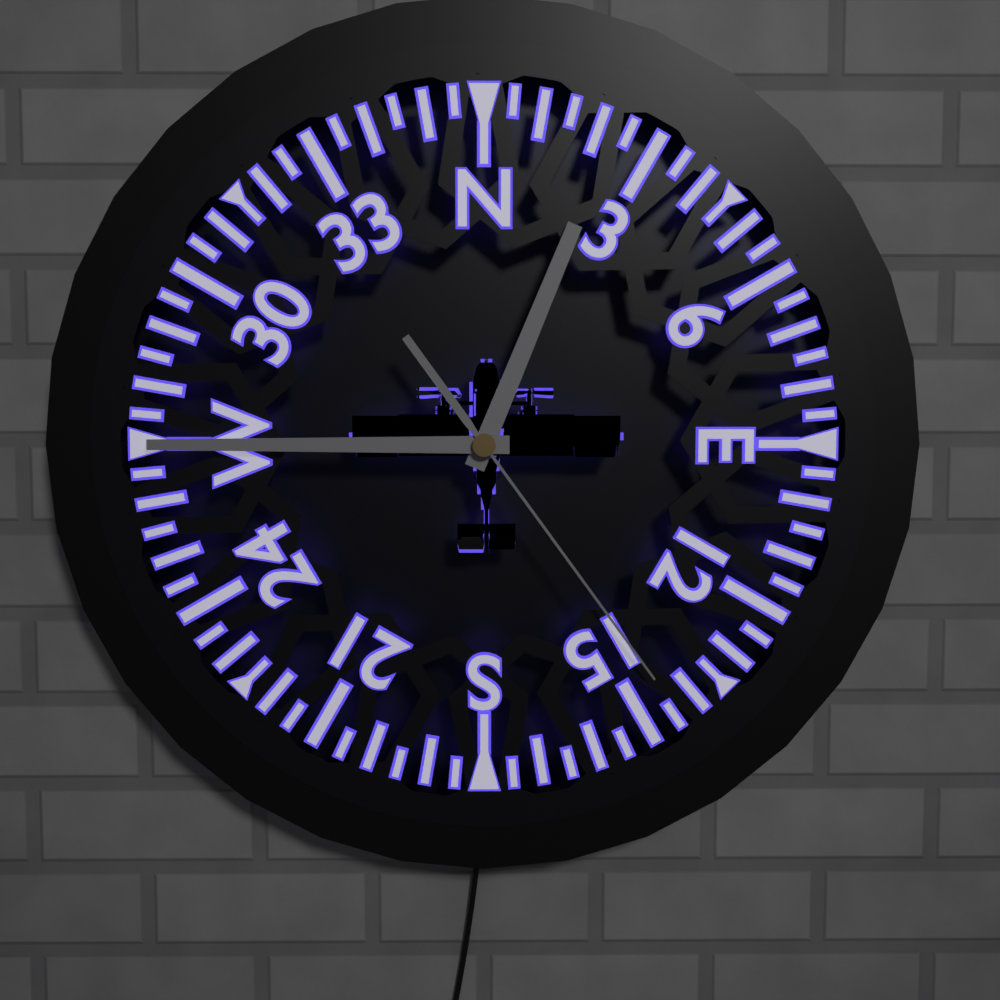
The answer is **12:45:24**
